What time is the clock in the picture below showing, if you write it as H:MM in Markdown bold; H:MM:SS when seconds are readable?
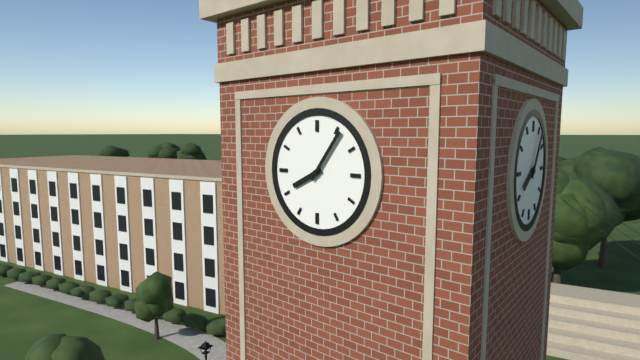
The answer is **8:06**
